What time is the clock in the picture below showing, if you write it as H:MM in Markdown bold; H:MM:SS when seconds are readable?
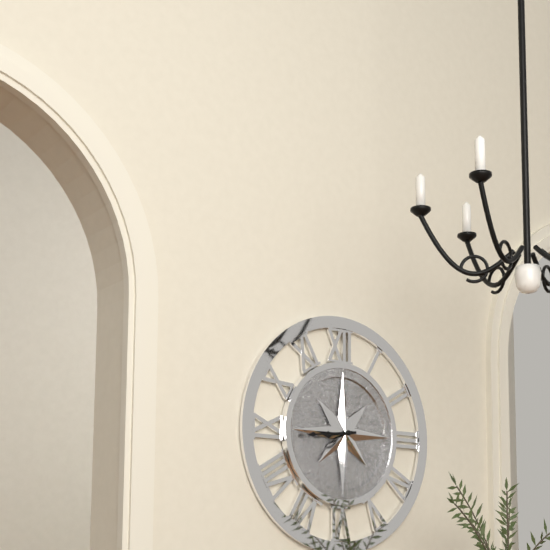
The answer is **8:44**
